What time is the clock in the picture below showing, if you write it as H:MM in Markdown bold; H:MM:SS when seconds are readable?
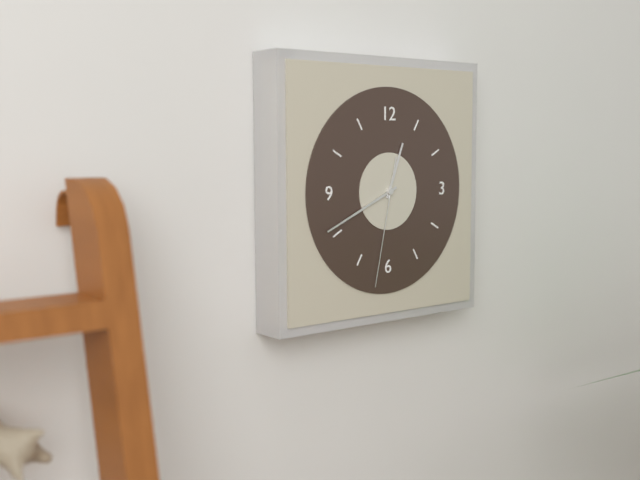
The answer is **12:41:32**
